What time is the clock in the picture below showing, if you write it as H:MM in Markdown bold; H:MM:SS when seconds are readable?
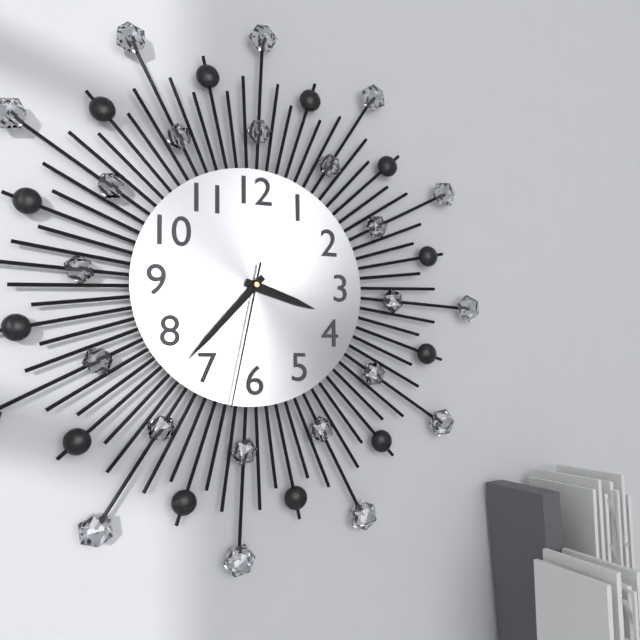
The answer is **3:37:32**
